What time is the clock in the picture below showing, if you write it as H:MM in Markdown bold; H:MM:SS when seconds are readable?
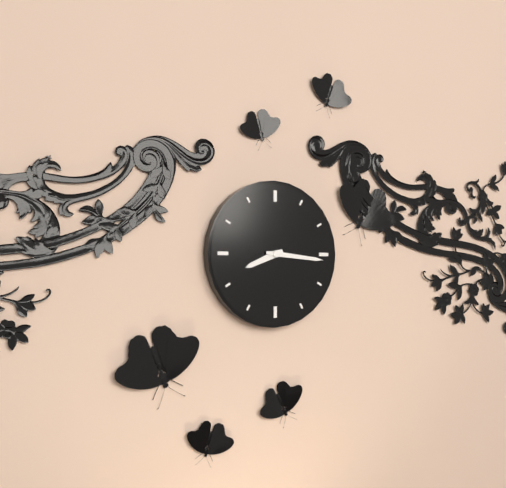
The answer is **8:16**
